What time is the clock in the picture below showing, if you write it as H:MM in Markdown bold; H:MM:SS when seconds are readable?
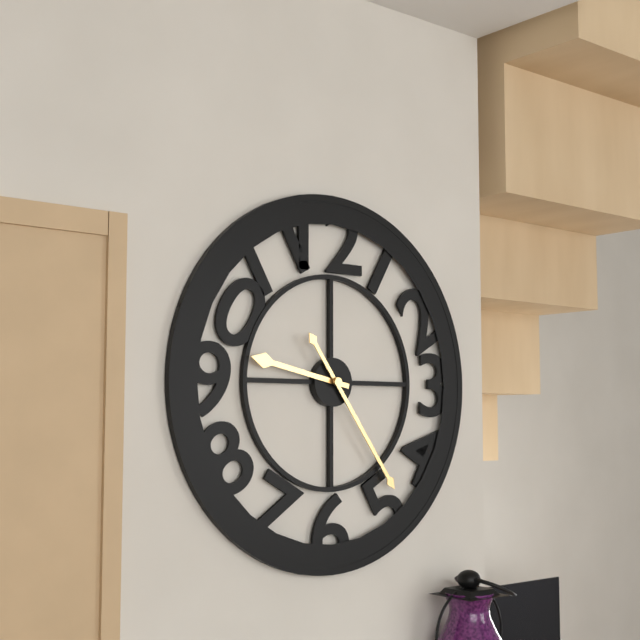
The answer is **9:24**
